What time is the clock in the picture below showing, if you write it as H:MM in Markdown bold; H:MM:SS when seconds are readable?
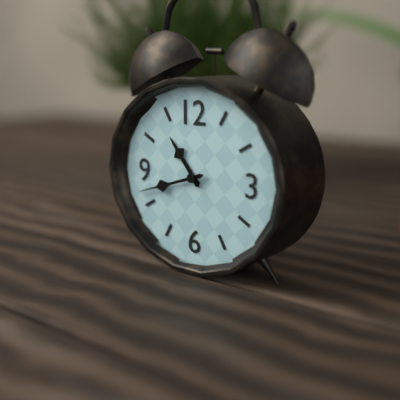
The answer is **10:42**
